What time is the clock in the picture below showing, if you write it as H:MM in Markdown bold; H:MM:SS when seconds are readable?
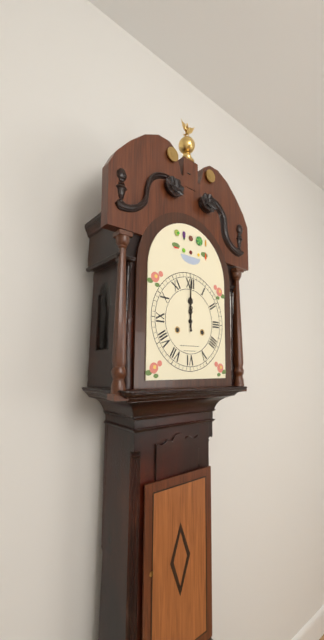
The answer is **12:00**
